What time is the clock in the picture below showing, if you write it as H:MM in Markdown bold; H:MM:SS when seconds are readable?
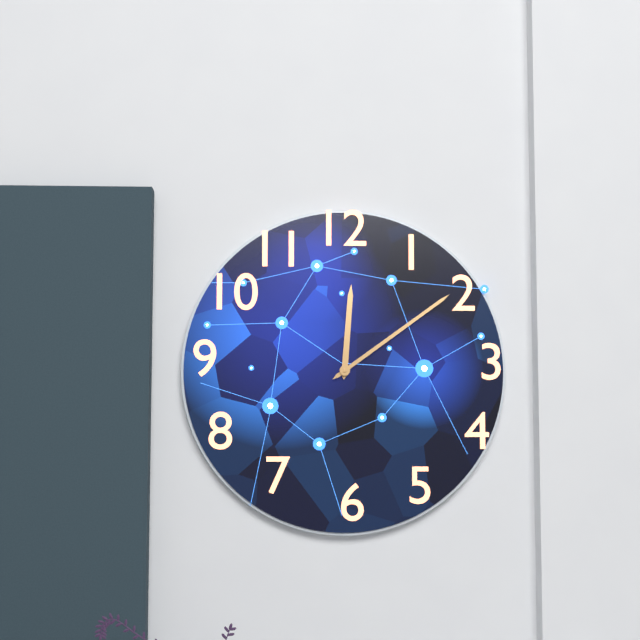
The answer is **12:09**
